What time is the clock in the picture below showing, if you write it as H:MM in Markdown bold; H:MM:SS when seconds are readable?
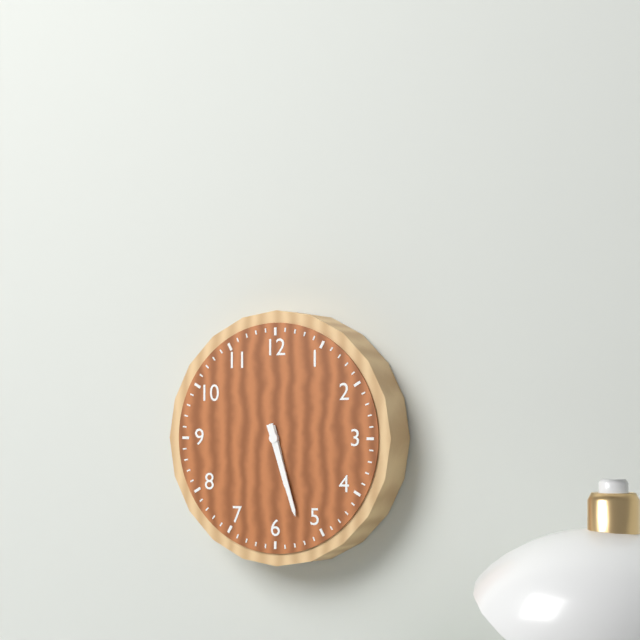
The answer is **5:27**
